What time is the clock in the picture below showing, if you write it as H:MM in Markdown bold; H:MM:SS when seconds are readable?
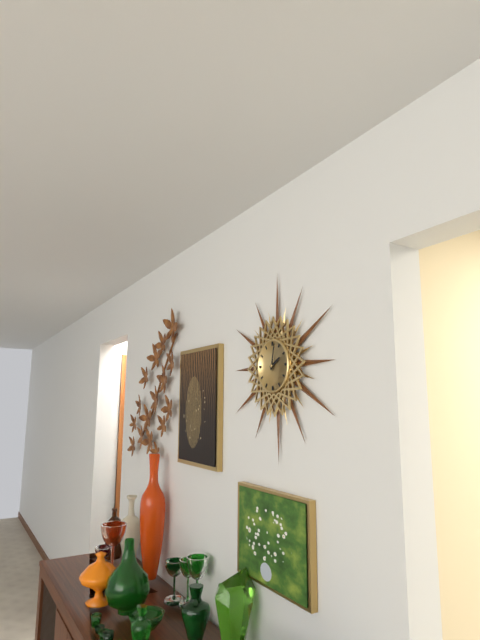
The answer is **2:02**
